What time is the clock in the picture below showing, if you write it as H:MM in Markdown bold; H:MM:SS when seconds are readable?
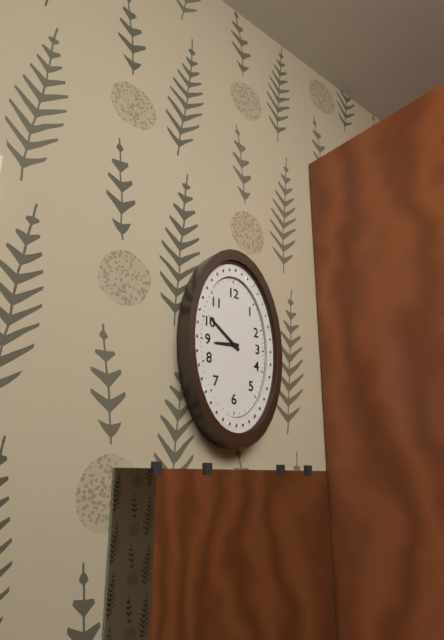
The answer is **8:51**
